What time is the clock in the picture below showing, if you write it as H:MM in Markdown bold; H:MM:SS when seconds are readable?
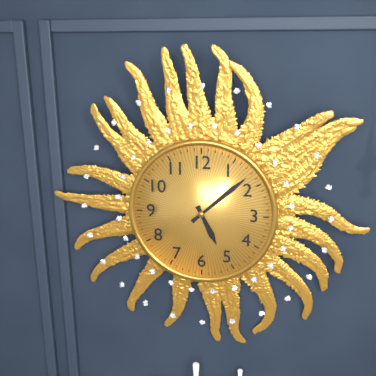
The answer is **5:08**
